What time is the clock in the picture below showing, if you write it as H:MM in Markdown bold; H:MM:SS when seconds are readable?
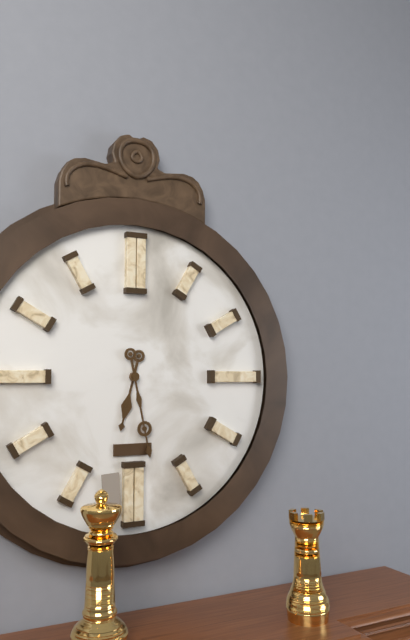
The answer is **6:28**
